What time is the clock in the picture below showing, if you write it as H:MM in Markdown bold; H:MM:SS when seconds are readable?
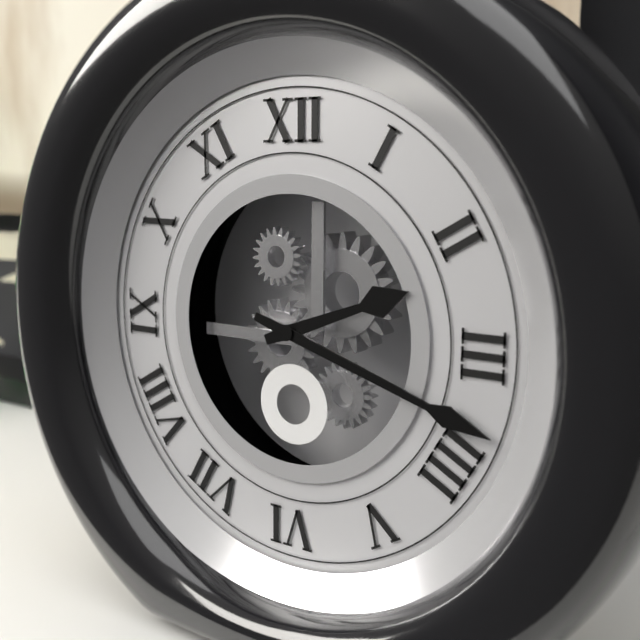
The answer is **2:18**
